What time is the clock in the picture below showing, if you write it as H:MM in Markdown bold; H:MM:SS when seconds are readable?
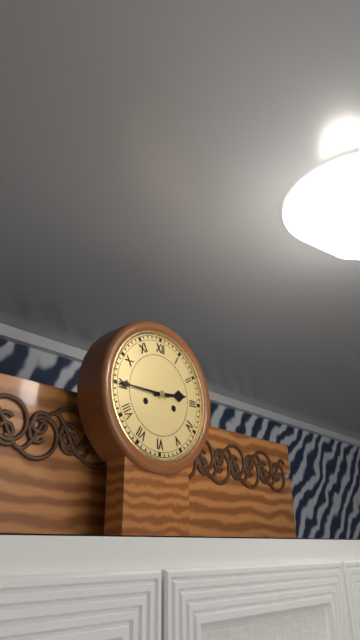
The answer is **2:45**
